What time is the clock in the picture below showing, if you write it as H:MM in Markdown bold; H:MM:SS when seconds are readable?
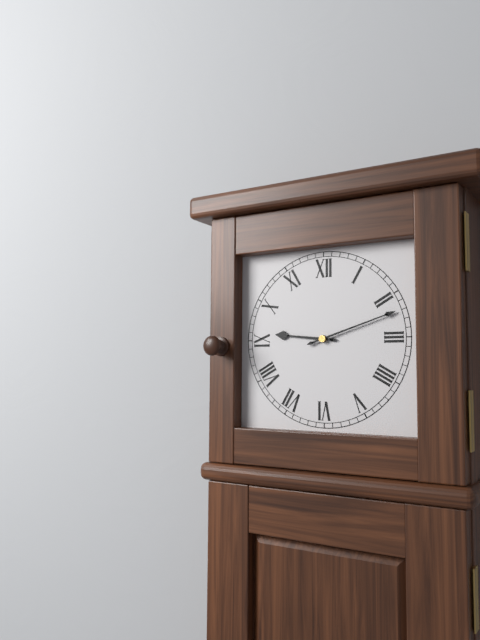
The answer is **9:12**
